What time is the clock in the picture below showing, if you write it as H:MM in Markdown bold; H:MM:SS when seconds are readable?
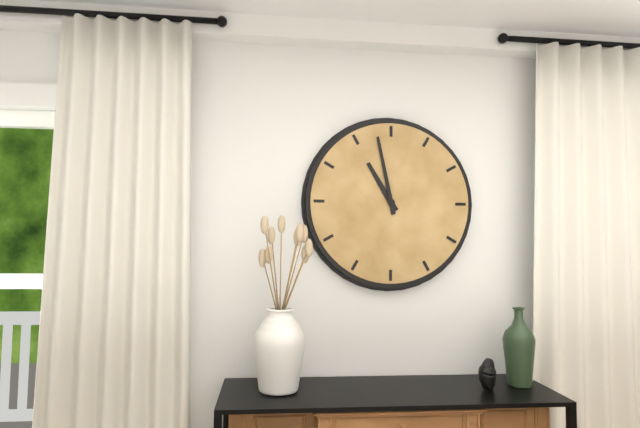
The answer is **10:58**
